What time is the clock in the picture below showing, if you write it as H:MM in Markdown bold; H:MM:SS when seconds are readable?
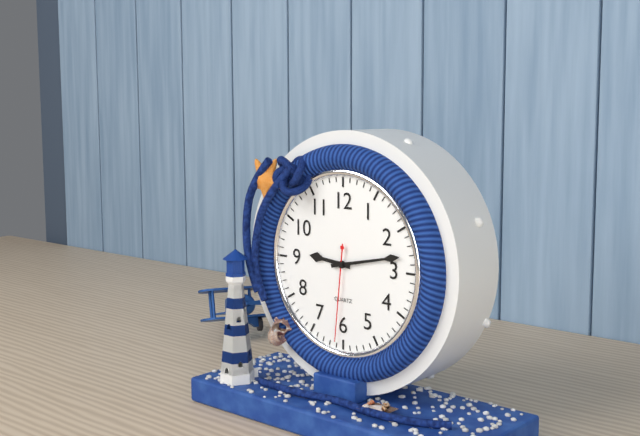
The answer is **9:13:31**
